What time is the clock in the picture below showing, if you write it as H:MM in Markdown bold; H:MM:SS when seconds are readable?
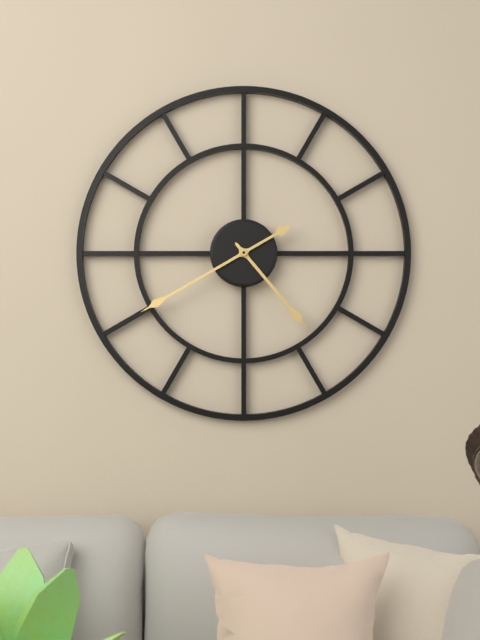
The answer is **4:40**
